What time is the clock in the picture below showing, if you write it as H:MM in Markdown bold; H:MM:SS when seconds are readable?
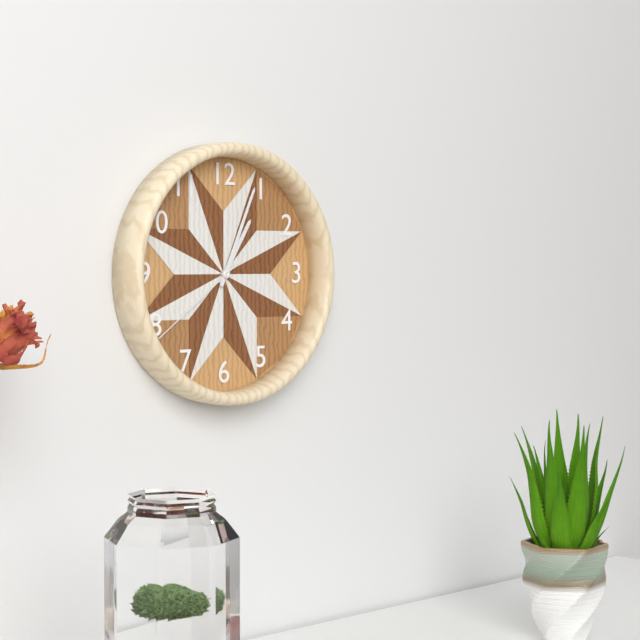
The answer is **1:04:39**
